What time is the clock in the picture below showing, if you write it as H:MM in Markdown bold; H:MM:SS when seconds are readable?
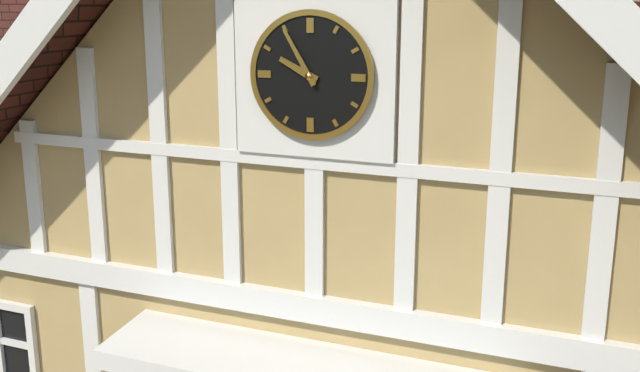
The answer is **9:55**
